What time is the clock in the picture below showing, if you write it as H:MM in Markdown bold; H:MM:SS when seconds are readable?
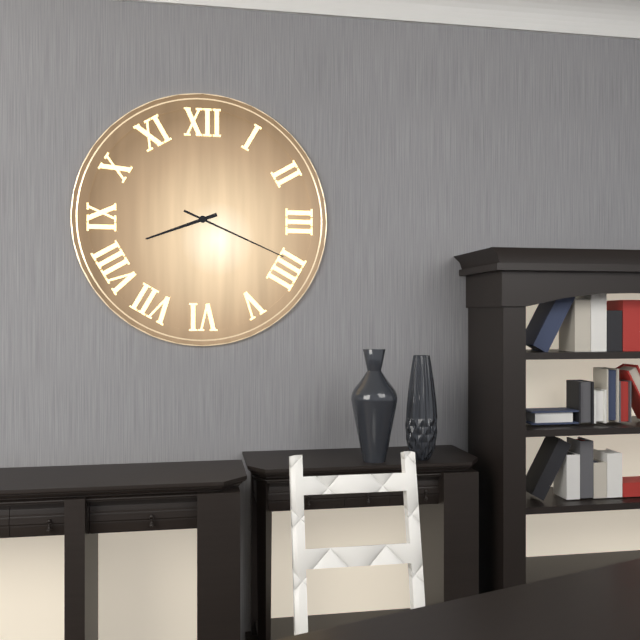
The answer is **8:19**
